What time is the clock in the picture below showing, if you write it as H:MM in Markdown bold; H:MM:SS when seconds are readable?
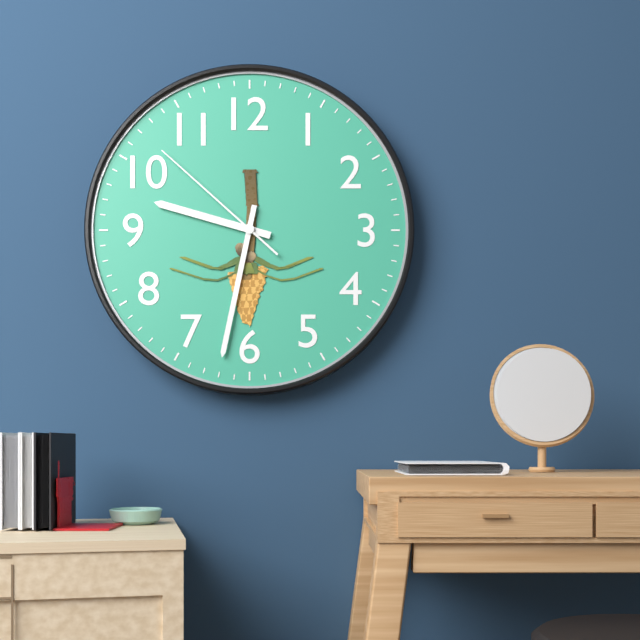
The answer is **9:32:52**
